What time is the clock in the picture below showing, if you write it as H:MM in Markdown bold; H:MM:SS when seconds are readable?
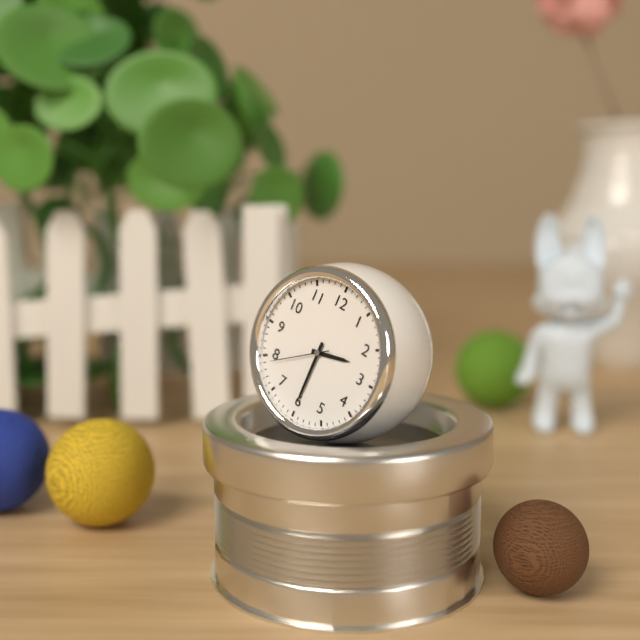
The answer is **2:30:39**
